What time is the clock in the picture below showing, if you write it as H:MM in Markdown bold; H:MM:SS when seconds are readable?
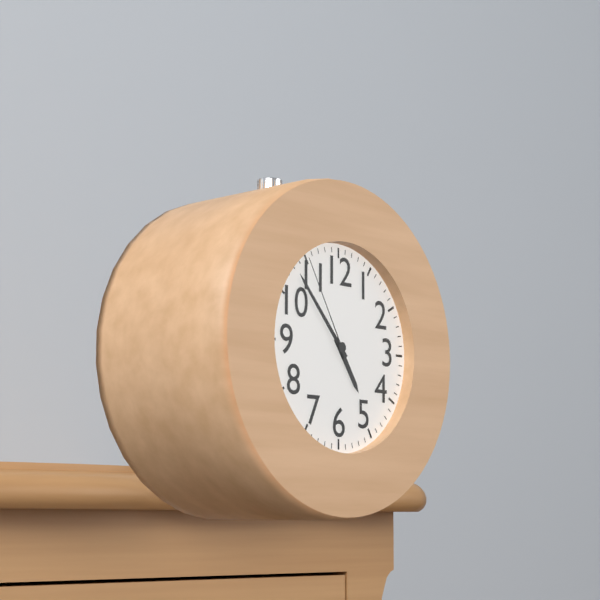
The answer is **4:53:55**
